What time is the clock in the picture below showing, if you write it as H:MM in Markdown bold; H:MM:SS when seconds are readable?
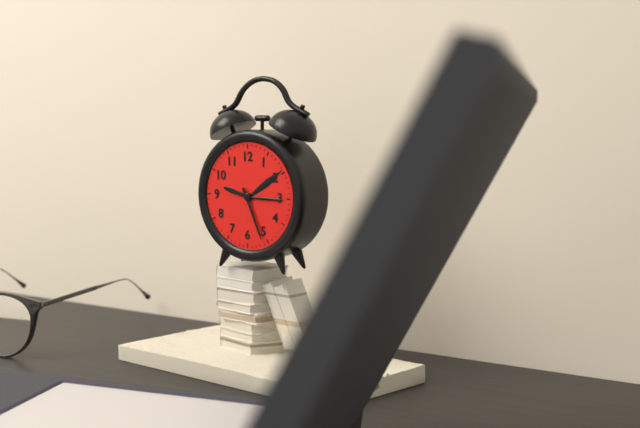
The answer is **9:26**
